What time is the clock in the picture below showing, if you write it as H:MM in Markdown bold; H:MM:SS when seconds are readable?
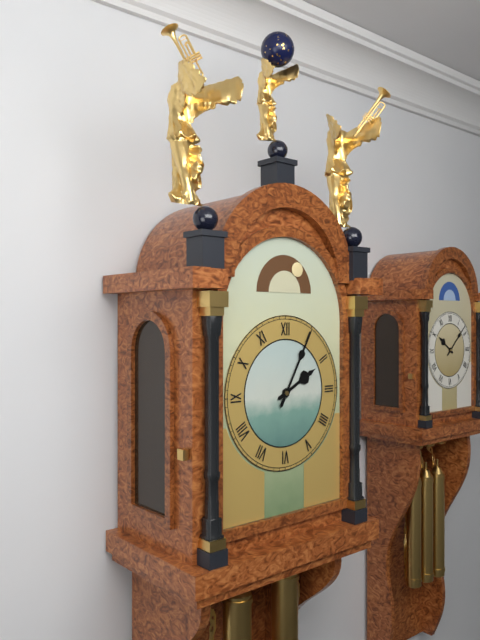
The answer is **2:05**
